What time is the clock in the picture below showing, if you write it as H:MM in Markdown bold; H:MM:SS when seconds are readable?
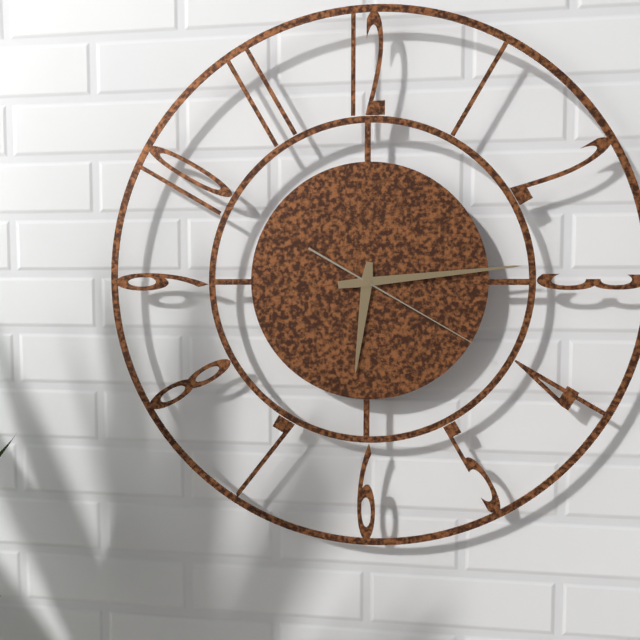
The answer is **6:14:20**
